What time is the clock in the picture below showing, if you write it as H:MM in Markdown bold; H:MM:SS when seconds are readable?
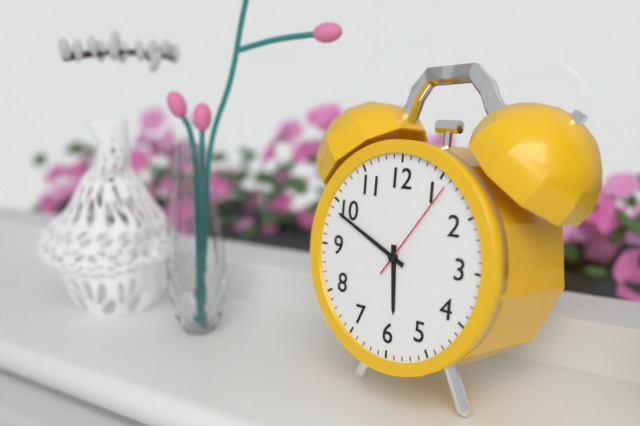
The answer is **5:49:06**
